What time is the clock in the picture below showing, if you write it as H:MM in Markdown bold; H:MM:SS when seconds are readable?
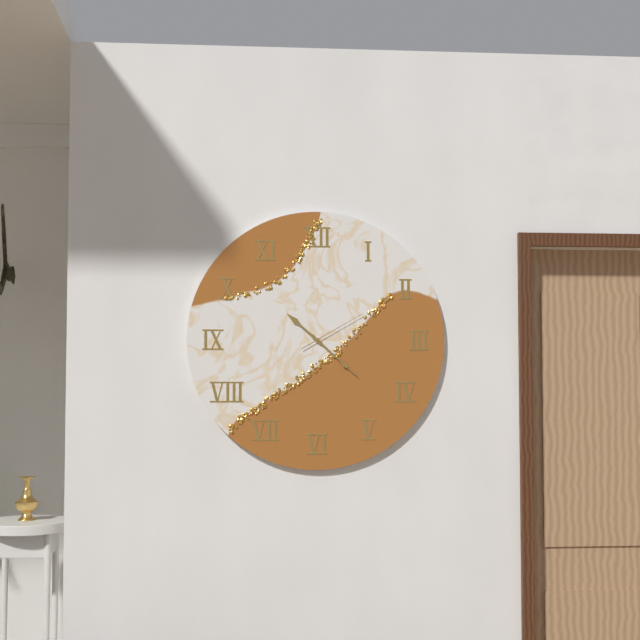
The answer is **10:22:10**
